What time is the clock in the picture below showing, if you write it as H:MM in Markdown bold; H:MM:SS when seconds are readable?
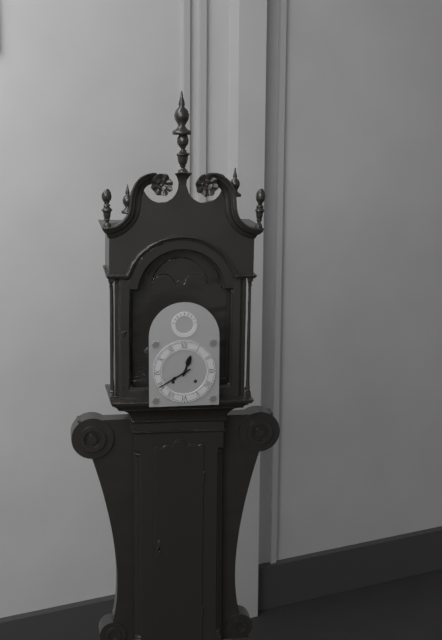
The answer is **12:40**
